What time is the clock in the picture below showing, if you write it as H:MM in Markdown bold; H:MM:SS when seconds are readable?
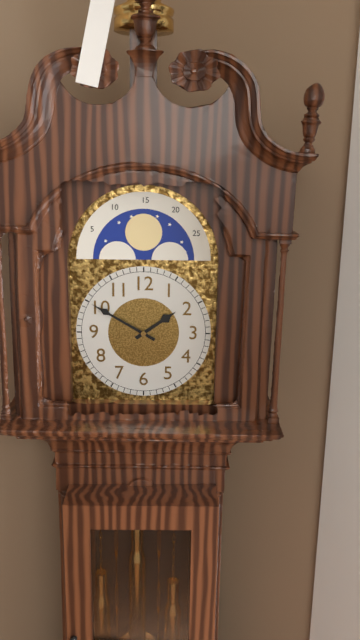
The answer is **1:50**
